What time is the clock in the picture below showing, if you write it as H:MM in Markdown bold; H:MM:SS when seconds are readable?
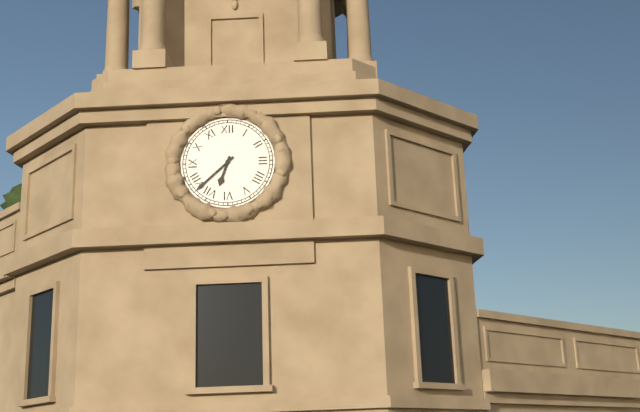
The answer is **6:38**
